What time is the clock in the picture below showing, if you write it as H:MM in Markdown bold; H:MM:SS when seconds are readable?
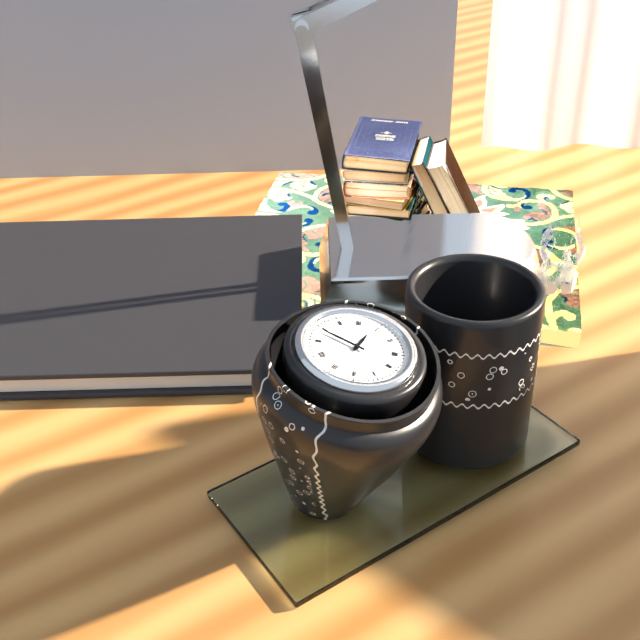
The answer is **12:49**
